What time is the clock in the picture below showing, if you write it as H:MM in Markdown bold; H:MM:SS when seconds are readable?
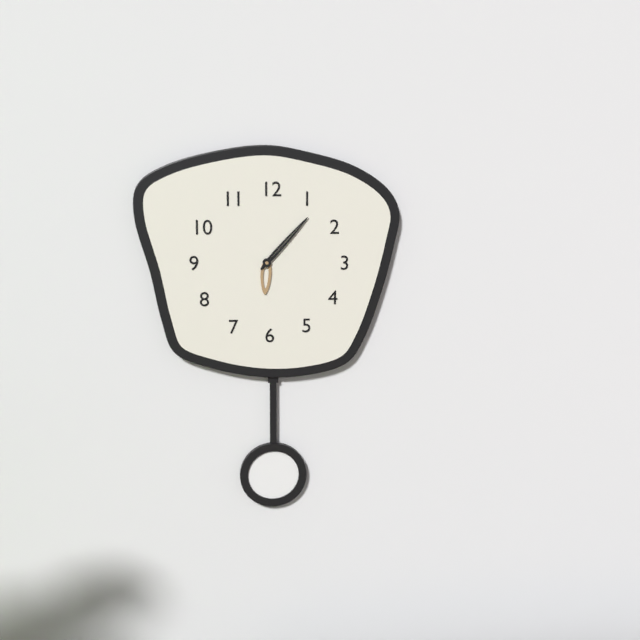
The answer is **6:07**
